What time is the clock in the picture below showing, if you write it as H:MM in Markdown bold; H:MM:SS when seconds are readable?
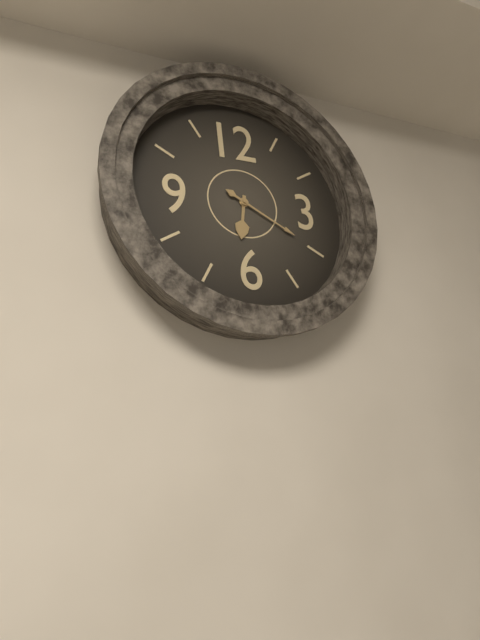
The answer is **6:20**
